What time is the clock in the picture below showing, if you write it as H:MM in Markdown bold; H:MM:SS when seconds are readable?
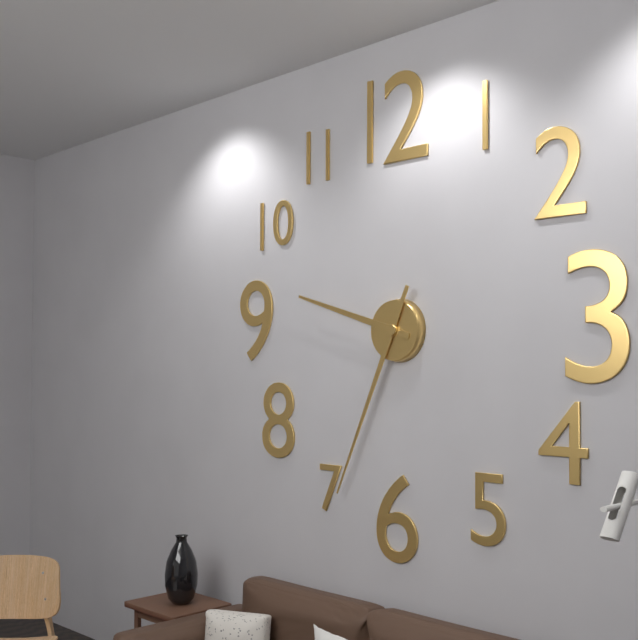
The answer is **9:34**
